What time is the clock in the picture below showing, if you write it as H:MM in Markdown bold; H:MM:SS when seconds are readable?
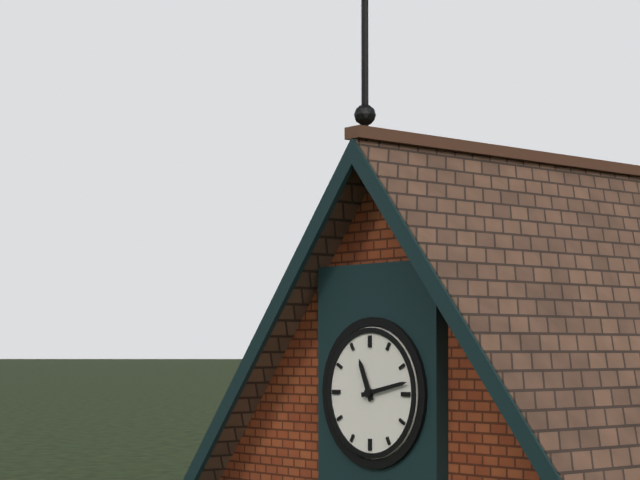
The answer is **11:13**
